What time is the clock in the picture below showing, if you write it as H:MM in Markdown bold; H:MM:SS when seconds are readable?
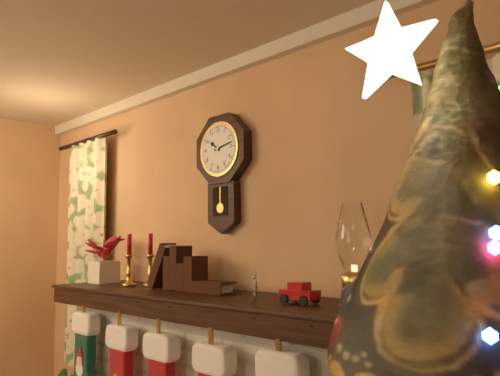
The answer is **10:13**
